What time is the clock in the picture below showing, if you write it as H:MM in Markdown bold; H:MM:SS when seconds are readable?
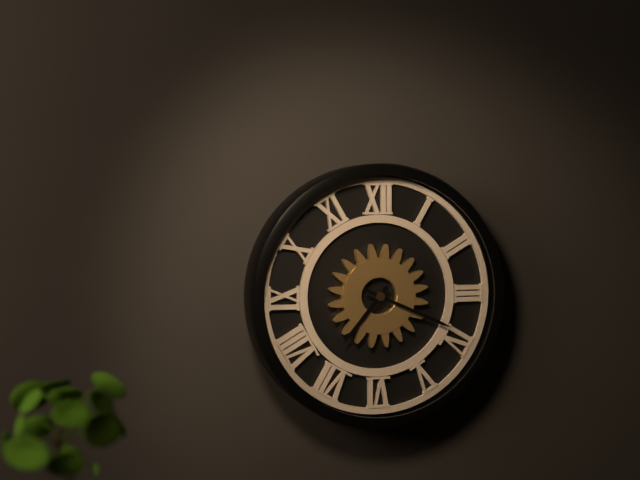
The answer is **7:19**
